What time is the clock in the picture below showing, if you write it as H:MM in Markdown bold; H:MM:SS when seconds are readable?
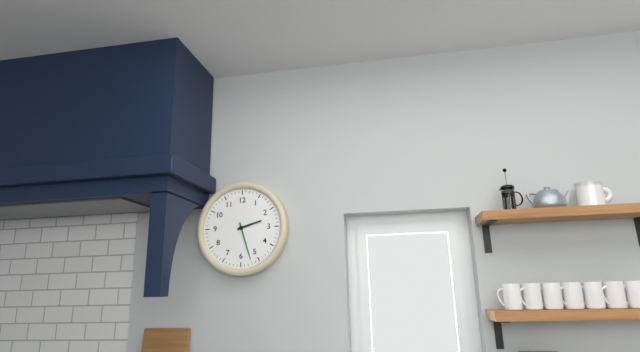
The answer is **2:27**
